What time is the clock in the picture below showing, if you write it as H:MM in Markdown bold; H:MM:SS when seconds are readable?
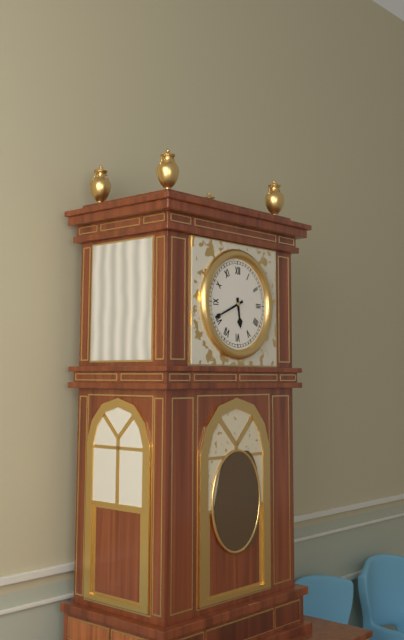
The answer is **5:41**
